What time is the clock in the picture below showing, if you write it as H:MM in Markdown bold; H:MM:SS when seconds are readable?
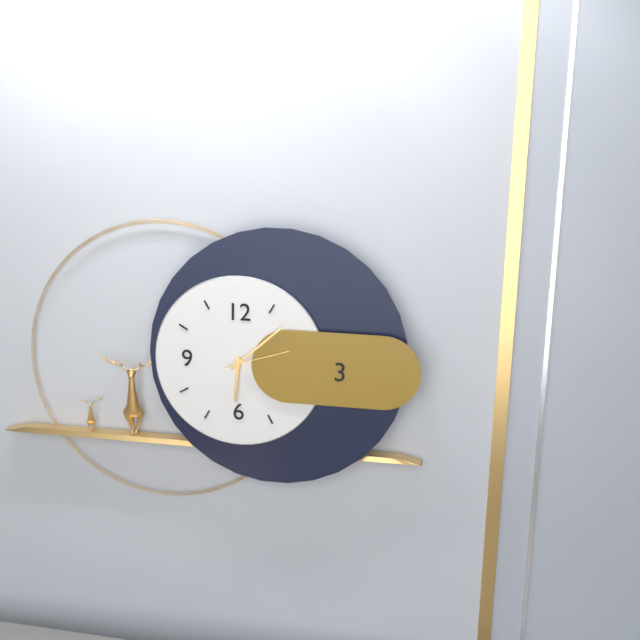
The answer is **6:08:12**
